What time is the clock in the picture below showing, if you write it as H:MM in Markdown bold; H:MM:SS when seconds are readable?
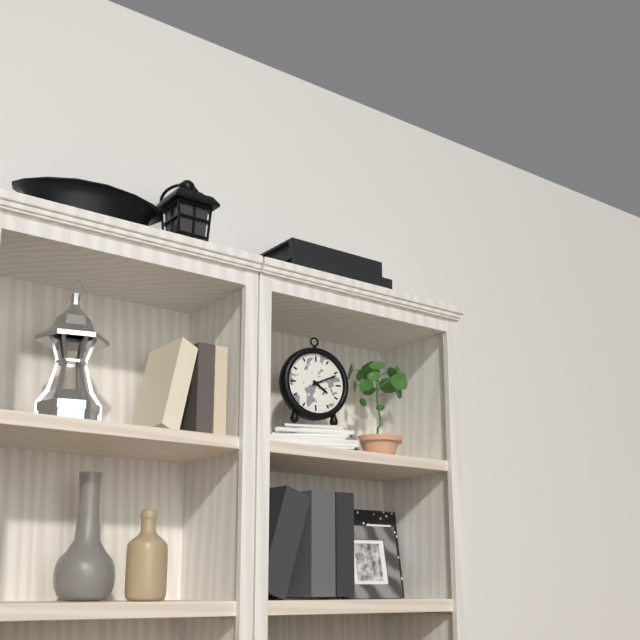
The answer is **4:11**
